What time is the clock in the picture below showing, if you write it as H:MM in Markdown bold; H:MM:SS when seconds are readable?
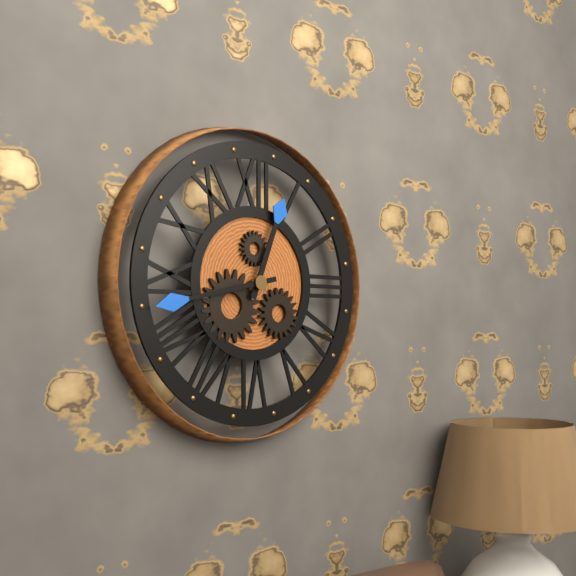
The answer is **12:43**
